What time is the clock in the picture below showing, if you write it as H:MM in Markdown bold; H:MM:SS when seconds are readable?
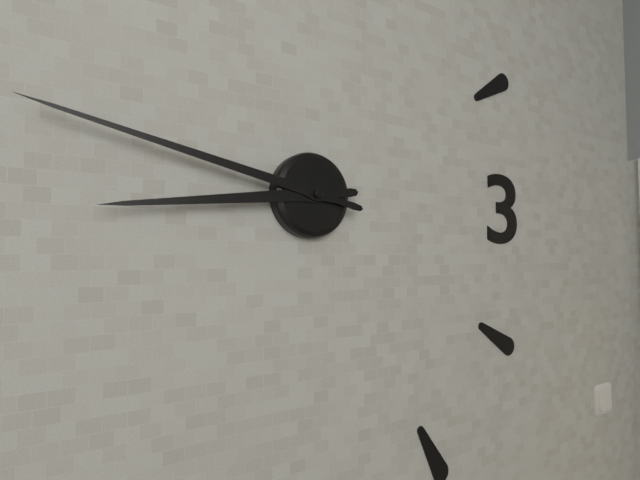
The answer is **8:47**
